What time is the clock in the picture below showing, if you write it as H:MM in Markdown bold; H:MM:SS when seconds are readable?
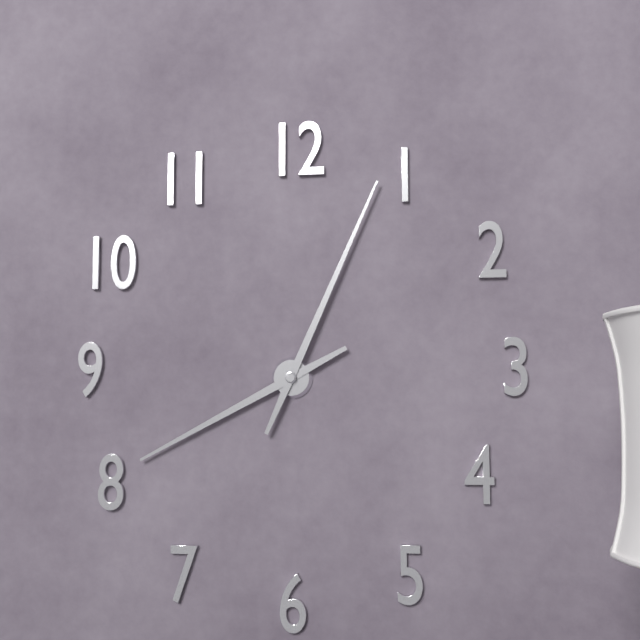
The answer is **8:04**
